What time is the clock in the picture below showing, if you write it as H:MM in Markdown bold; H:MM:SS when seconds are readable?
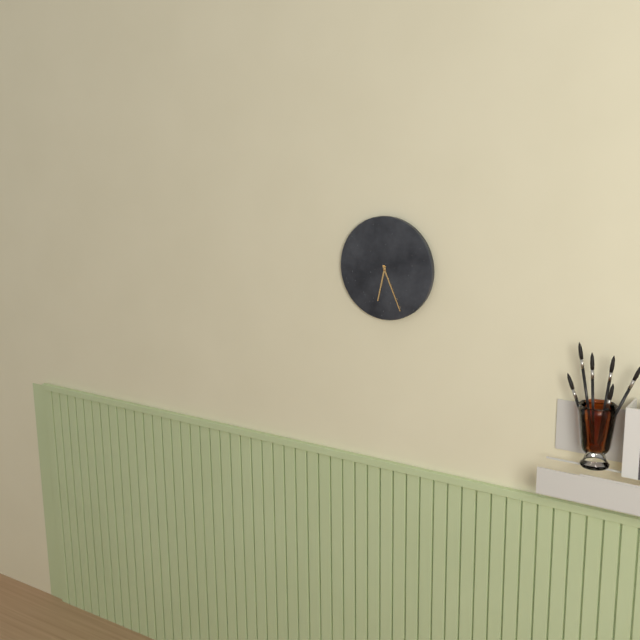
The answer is **6:26**
